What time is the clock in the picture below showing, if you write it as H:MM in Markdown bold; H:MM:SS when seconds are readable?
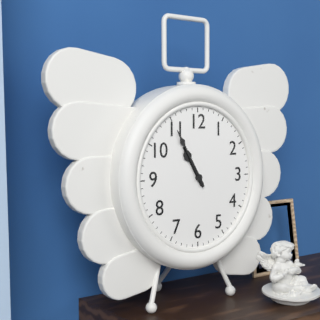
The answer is **10:55**
